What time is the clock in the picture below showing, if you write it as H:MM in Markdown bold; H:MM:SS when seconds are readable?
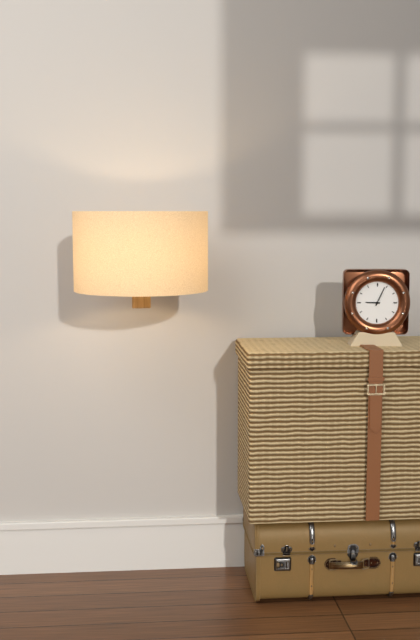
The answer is **9:04**
